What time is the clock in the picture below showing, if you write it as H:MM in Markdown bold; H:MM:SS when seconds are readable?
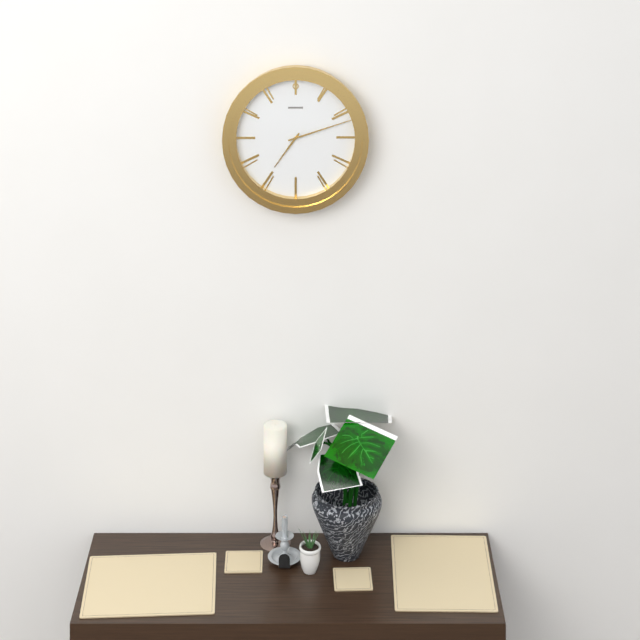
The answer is **7:12**
